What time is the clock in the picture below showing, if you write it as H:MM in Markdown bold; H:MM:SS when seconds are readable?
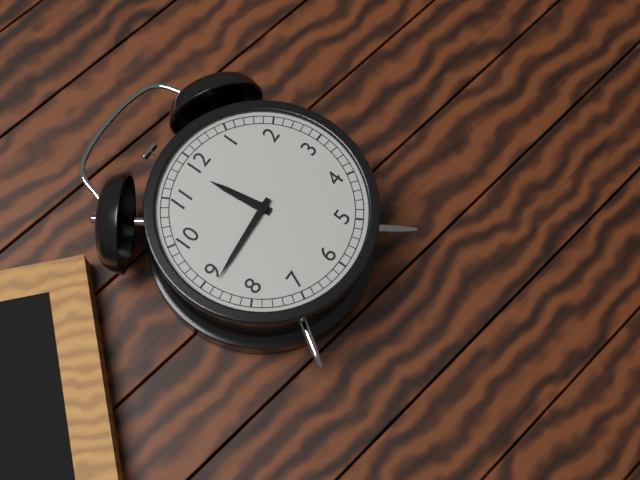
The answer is **11:44**
